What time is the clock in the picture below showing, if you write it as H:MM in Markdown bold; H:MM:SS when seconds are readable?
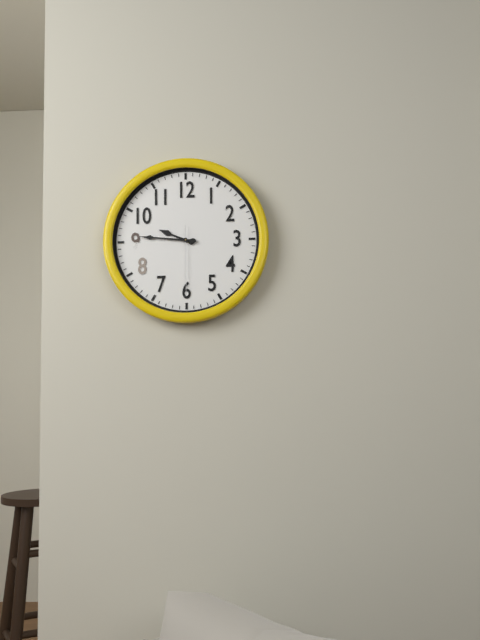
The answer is **9:46:30**
